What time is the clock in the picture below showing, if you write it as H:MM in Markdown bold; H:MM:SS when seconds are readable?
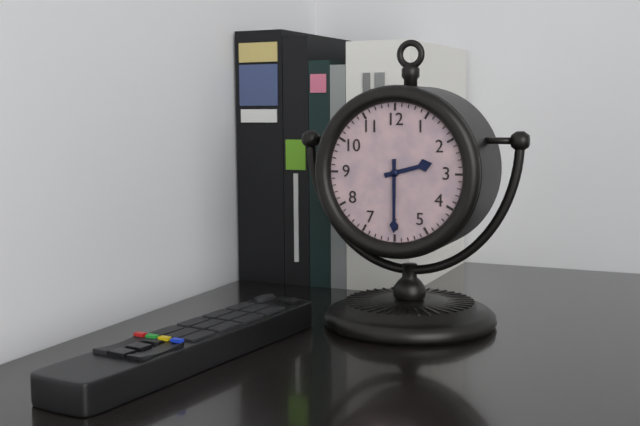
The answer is **2:30**
